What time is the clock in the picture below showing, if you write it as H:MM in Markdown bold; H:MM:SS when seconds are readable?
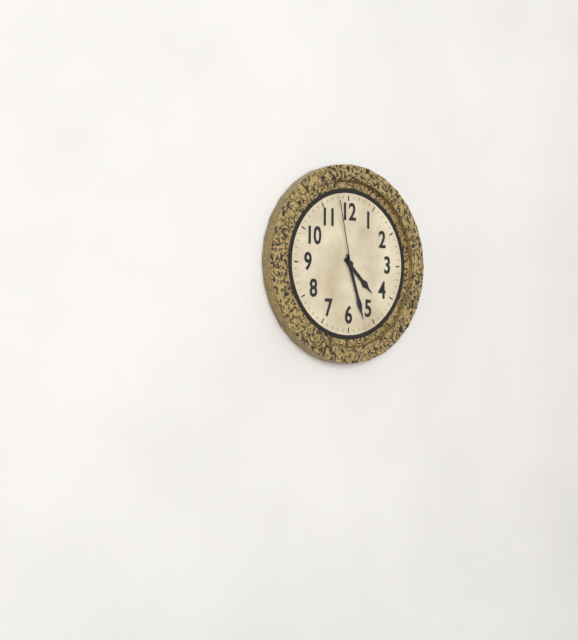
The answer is **4:27:58**
